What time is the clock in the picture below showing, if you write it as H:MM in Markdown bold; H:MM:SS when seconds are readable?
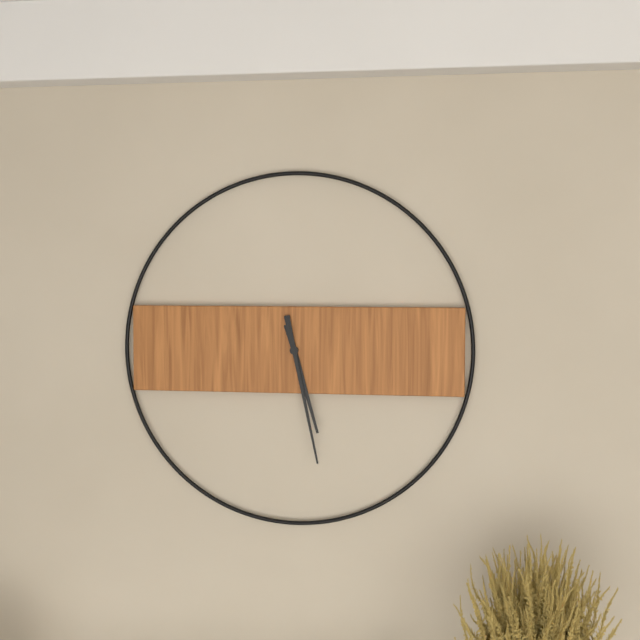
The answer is **5:28**
